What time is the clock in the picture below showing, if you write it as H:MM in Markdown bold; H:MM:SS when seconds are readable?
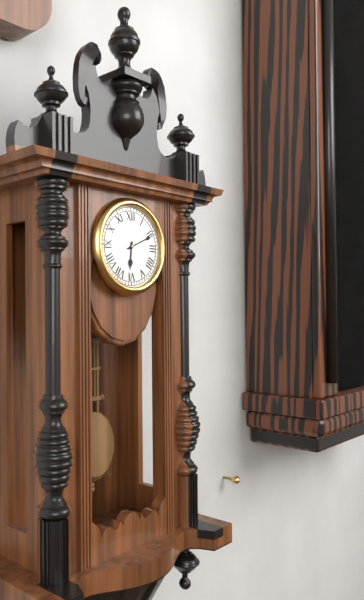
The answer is **6:11**
